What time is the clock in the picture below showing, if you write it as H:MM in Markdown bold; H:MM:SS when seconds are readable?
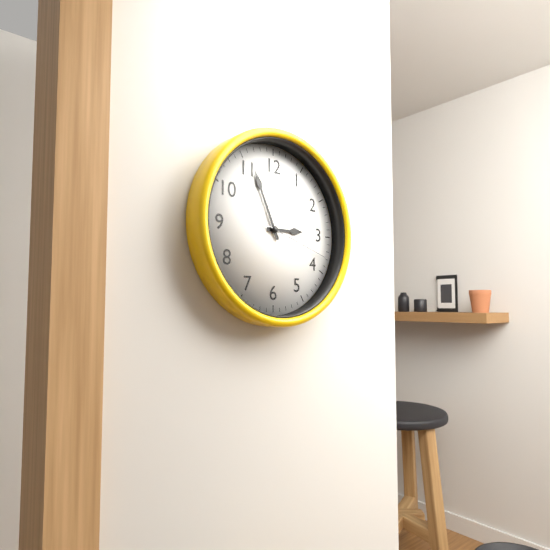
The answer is **2:56:18**
